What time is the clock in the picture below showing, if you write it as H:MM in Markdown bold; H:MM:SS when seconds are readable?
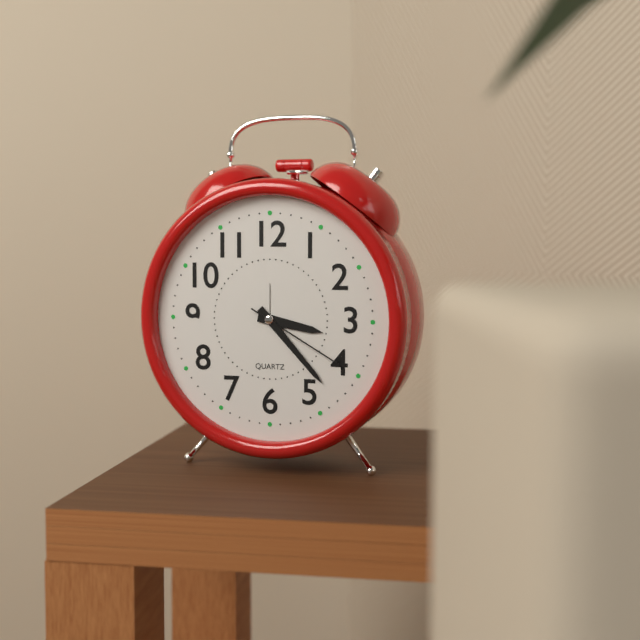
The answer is **3:23:20**
